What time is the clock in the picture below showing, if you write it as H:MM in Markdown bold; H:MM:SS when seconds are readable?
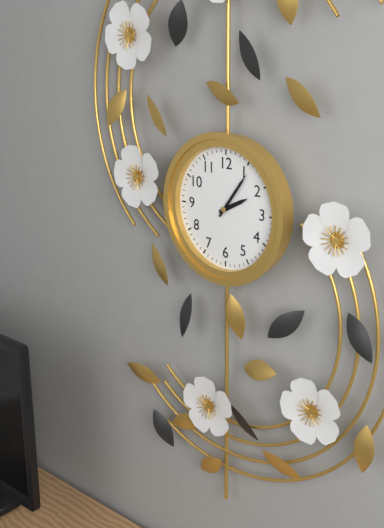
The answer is **2:06**
